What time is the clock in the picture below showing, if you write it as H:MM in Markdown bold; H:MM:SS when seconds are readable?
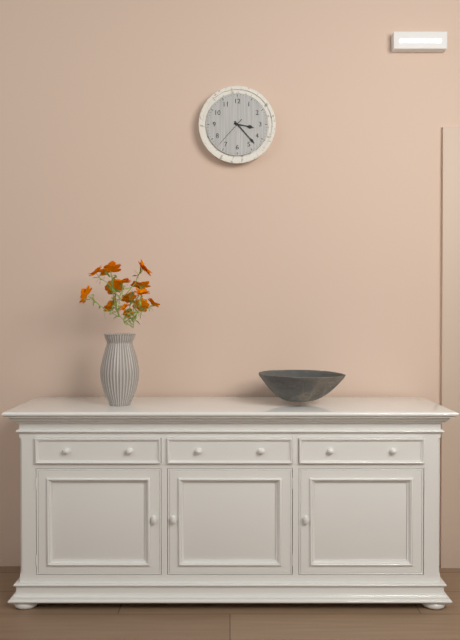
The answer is **3:23**
